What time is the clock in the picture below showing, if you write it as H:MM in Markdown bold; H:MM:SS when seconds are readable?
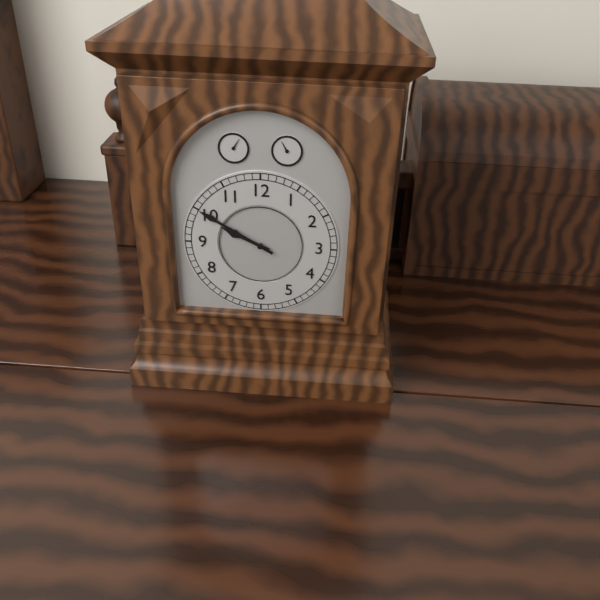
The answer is **9:50**
